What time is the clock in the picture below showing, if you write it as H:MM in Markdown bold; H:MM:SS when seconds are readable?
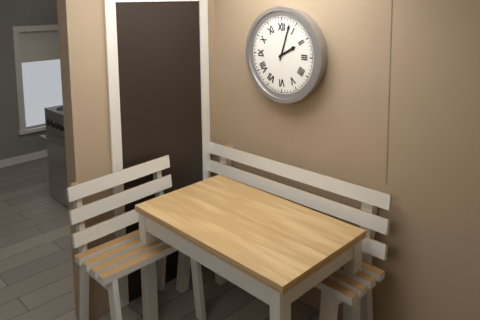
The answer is **2:03**
